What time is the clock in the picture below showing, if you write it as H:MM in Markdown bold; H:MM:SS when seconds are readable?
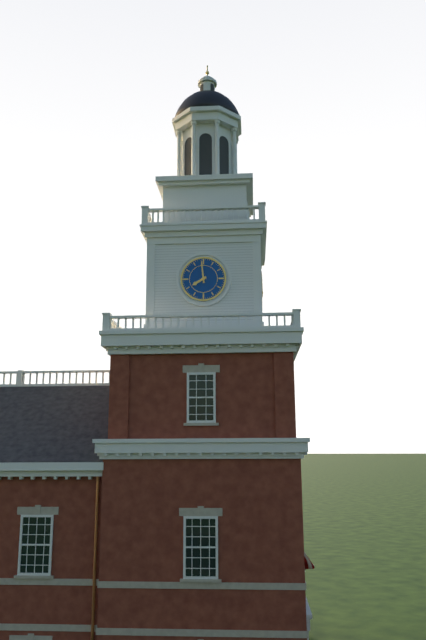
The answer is **7:59**
